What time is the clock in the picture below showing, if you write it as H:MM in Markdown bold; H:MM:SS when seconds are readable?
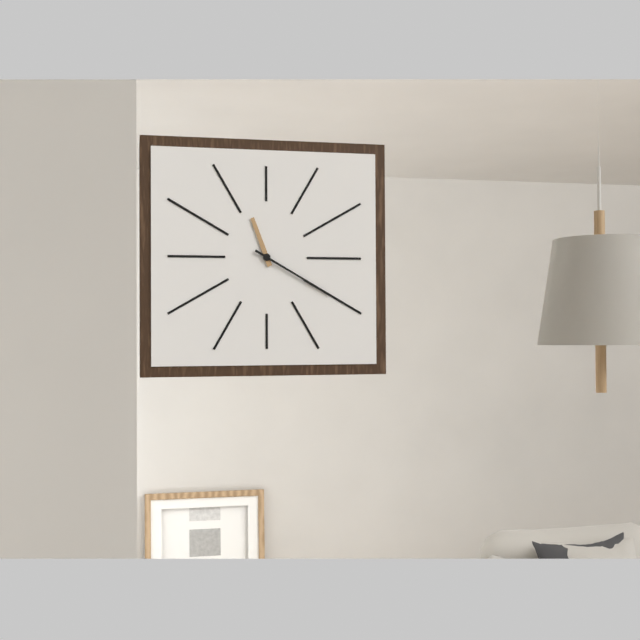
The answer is **11:20**
